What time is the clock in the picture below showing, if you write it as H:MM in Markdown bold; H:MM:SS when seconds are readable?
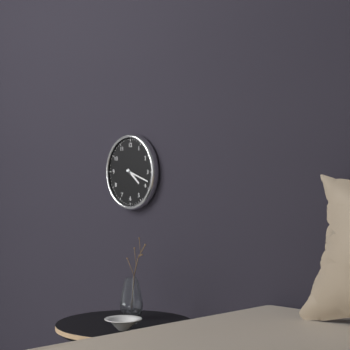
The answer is **4:18**
